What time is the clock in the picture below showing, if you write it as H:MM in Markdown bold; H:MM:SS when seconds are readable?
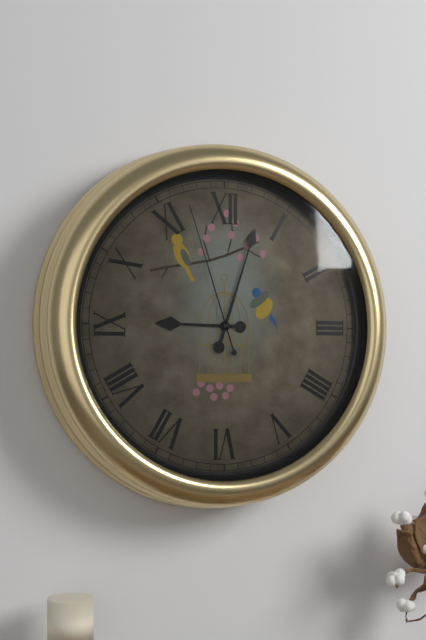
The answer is **9:03:57**
